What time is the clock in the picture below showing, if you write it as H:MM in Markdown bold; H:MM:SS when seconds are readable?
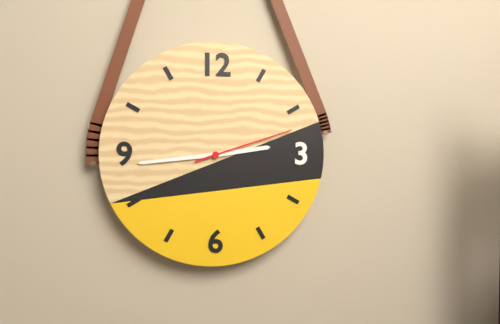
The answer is **2:44:12**
